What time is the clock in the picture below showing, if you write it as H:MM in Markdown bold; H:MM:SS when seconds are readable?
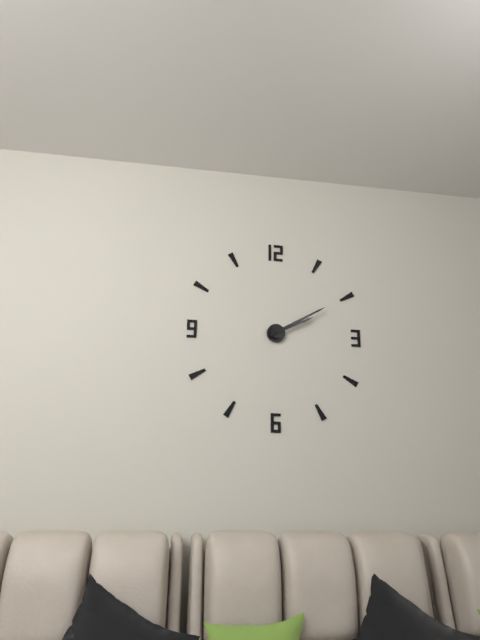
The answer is **2:10**
